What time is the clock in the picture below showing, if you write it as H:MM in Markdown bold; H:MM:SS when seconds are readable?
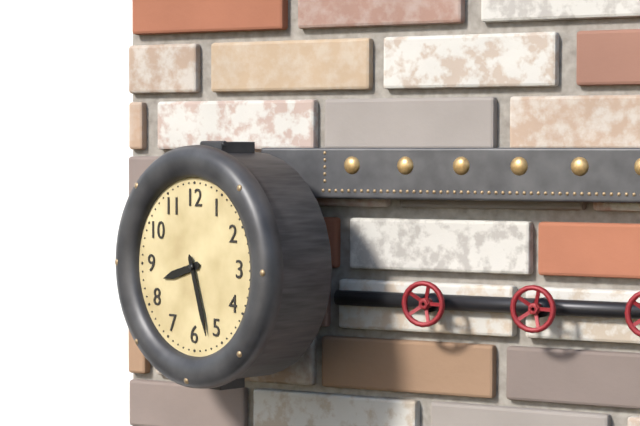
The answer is **8:27**
